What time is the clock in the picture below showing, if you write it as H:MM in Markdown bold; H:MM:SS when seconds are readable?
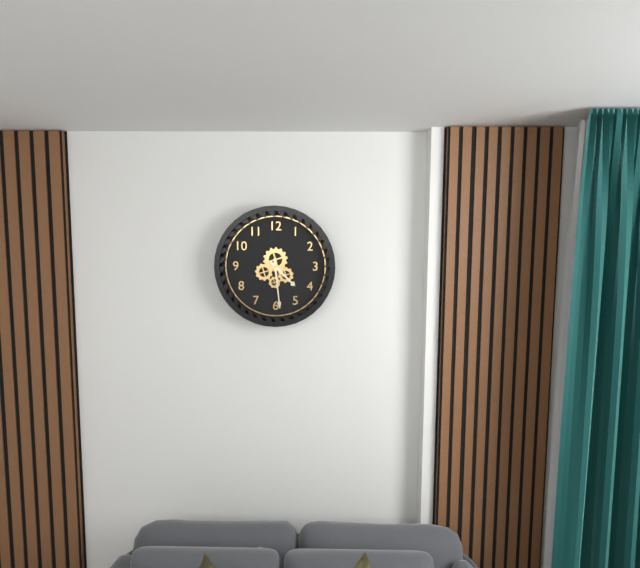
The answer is **4:29**
